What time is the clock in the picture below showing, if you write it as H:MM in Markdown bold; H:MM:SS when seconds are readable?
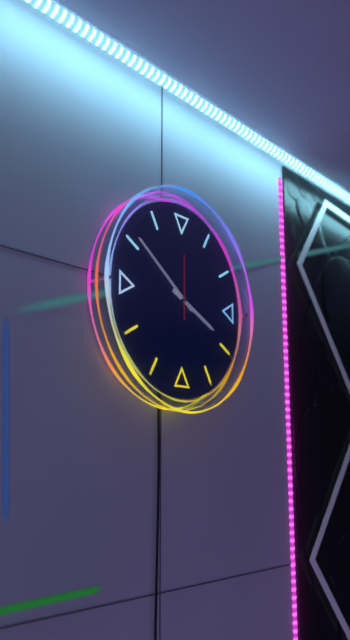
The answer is **3:51:00**
